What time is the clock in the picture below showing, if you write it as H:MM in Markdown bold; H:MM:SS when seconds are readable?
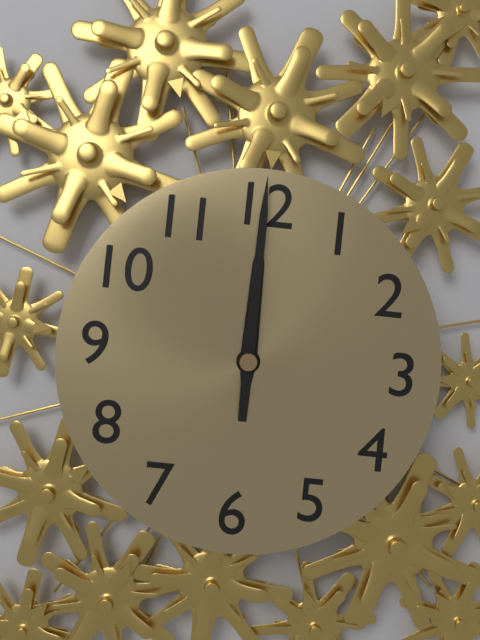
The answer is **12:00**
